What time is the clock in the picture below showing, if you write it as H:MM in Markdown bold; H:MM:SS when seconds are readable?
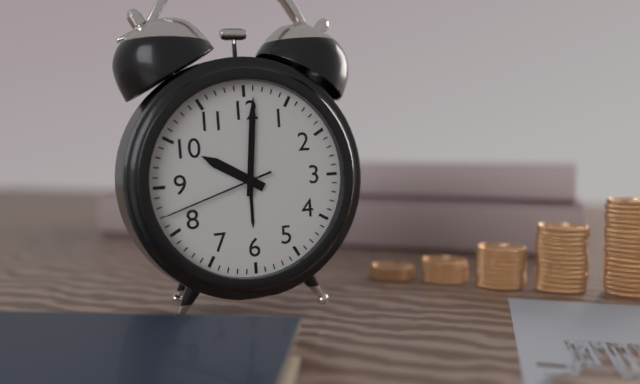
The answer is **10:01:42**
